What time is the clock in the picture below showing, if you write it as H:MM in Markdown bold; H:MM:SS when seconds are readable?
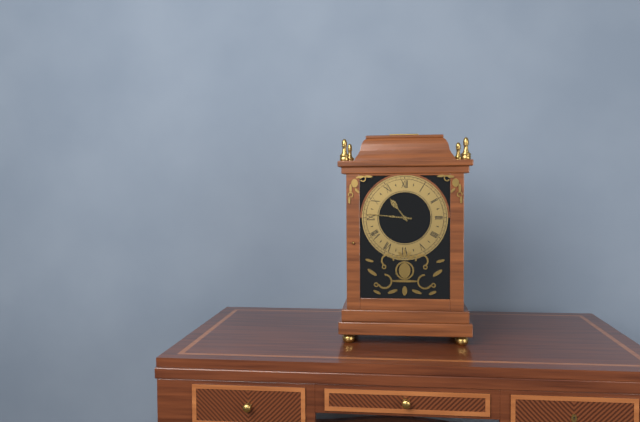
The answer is **10:46**
